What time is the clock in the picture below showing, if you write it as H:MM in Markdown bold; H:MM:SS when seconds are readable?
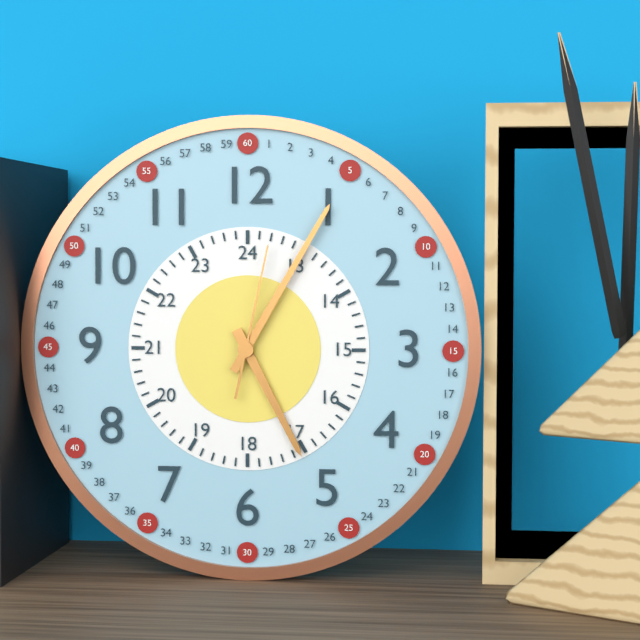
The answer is **5:05:02**
